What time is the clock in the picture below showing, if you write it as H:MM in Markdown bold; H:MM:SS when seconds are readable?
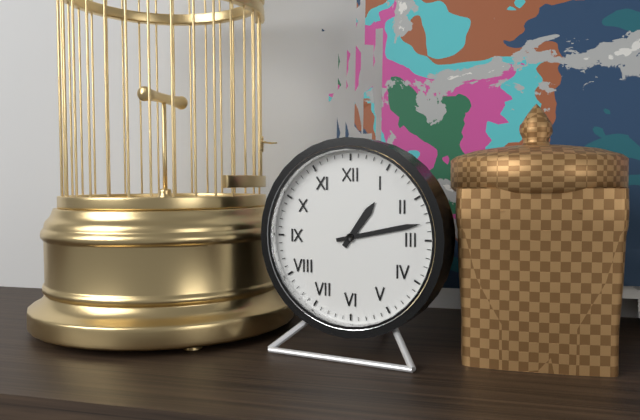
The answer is **1:13**
